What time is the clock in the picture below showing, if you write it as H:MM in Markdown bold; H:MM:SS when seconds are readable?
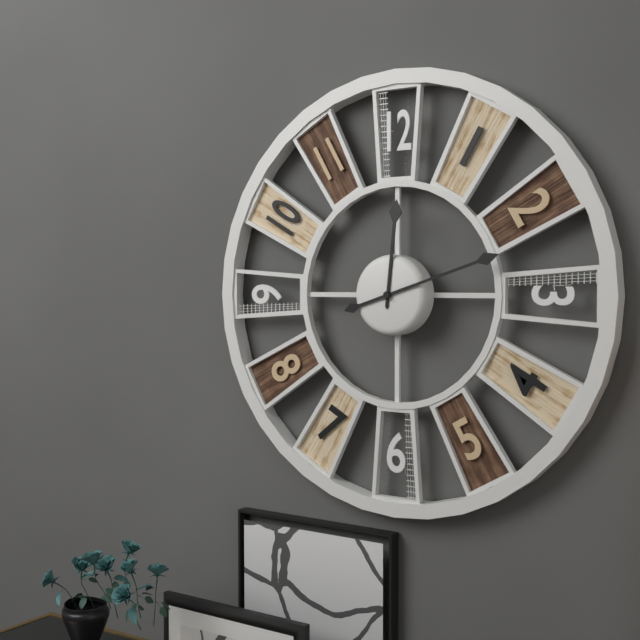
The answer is **12:12**
